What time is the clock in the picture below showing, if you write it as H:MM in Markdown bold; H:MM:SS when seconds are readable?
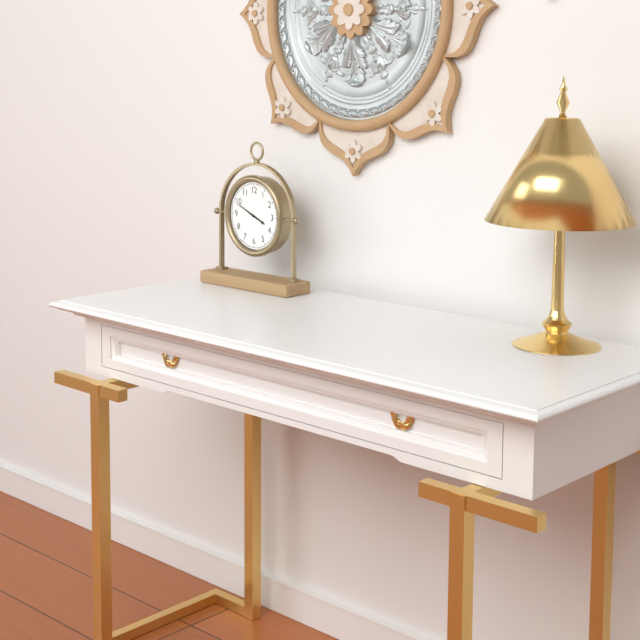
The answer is **3:49**
